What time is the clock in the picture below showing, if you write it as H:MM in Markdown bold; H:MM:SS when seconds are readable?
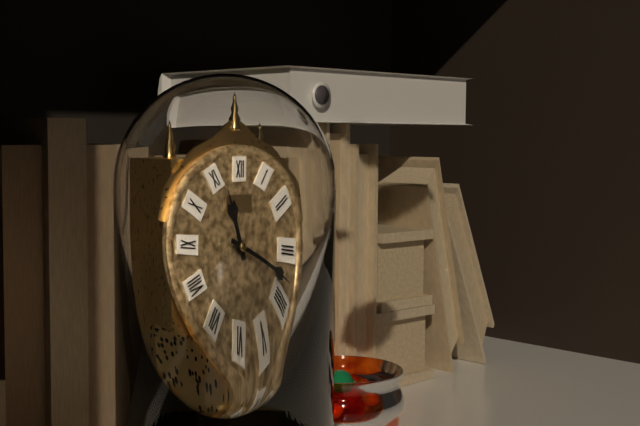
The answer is **11:18**
